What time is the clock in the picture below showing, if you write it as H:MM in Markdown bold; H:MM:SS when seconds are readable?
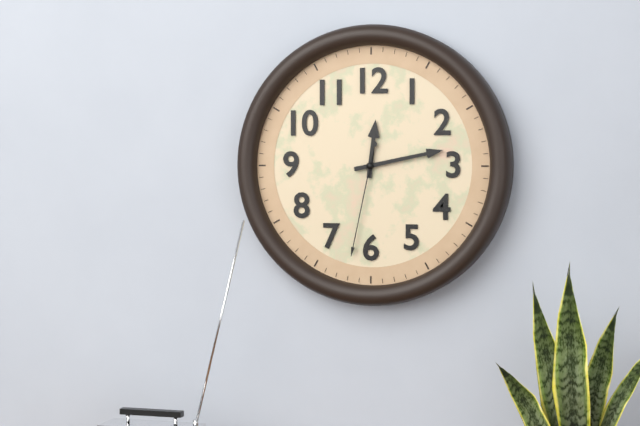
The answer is **12:13:32**
